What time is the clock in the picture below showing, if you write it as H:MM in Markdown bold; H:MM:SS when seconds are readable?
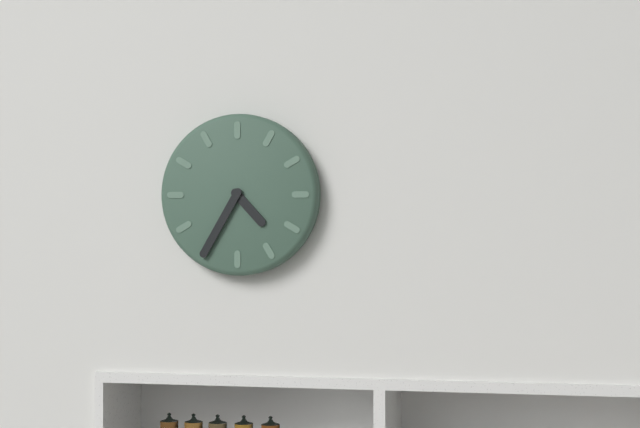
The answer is **4:35**
